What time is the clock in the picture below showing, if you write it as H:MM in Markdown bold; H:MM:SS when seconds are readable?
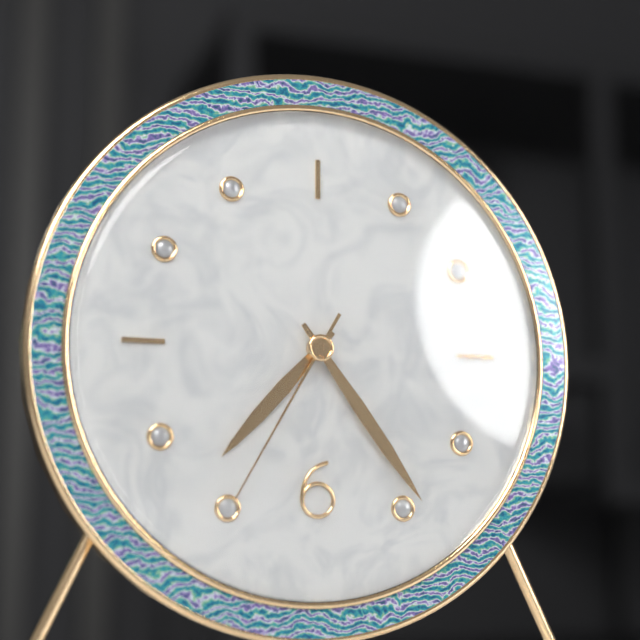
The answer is **7:24:35**
